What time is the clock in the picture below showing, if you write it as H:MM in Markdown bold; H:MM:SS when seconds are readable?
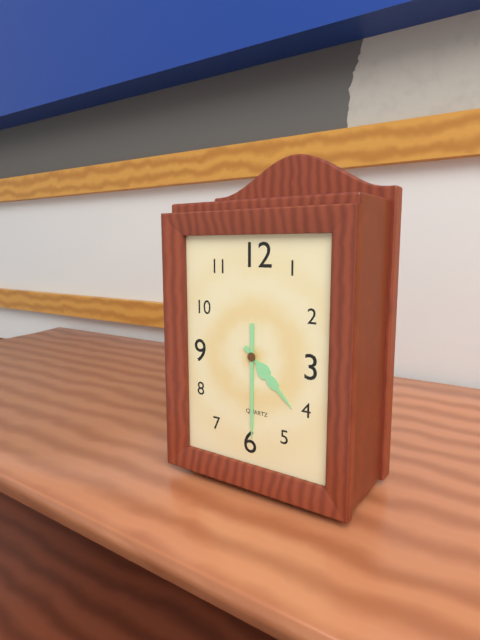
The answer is **4:30**
